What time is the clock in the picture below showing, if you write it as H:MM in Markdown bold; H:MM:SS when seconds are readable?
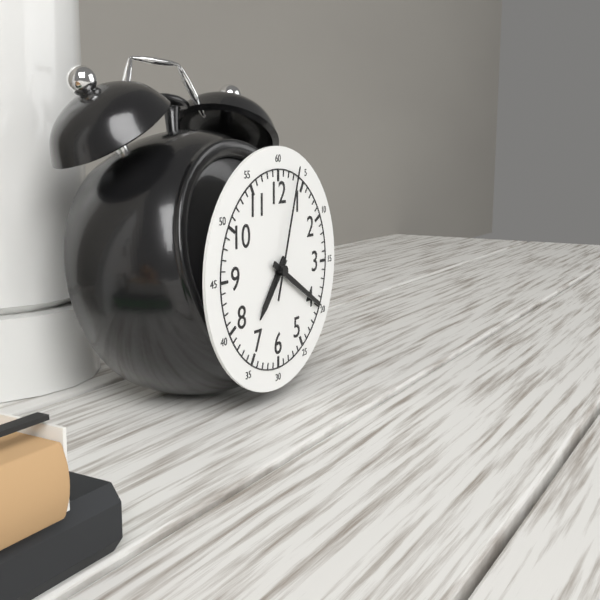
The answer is **7:20:03**
